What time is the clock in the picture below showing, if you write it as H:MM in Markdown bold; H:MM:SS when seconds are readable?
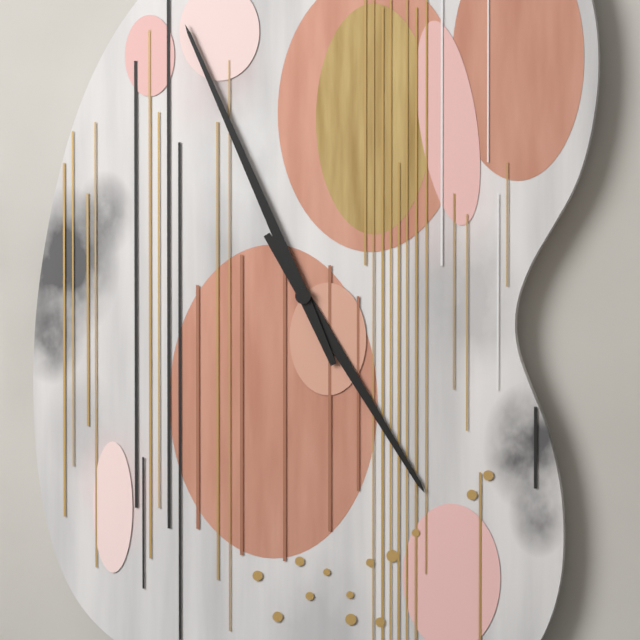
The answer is **4:56**
